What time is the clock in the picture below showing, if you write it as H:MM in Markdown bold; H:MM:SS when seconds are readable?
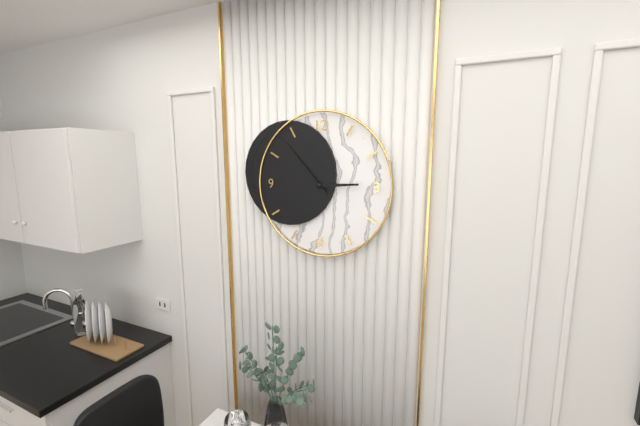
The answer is **2:53**
